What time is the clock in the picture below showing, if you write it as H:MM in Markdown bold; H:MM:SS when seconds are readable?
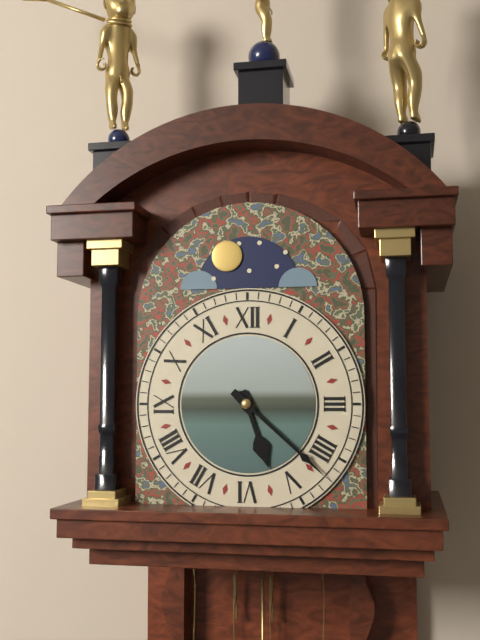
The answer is **5:22**
